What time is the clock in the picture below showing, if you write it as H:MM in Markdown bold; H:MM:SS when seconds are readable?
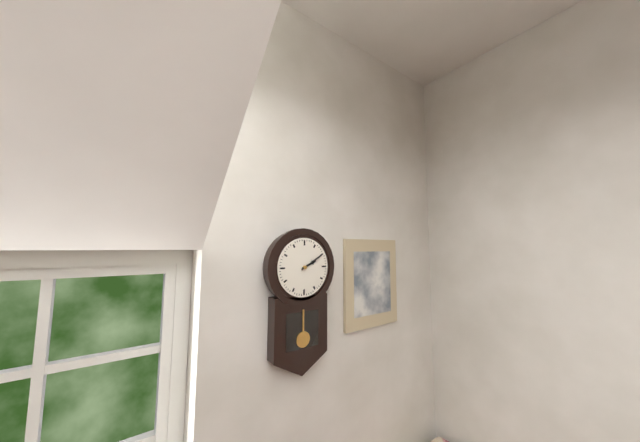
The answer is **2:10**
